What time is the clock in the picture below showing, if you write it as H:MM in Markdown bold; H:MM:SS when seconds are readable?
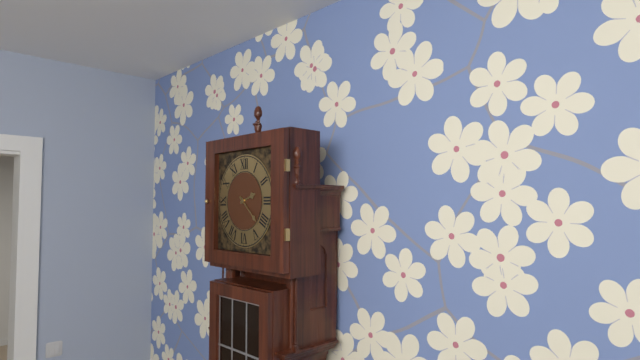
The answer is **2:22**
